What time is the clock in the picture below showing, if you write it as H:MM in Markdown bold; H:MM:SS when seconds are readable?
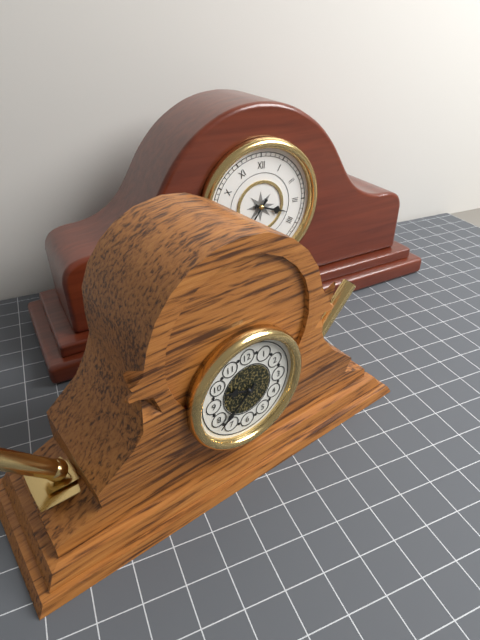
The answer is **9:38**
